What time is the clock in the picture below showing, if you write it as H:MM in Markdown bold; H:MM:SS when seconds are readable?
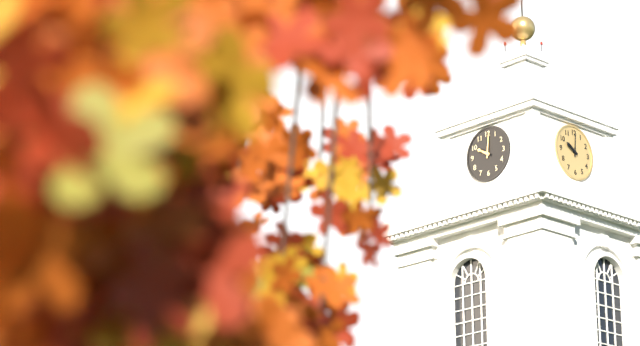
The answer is **10:01**
